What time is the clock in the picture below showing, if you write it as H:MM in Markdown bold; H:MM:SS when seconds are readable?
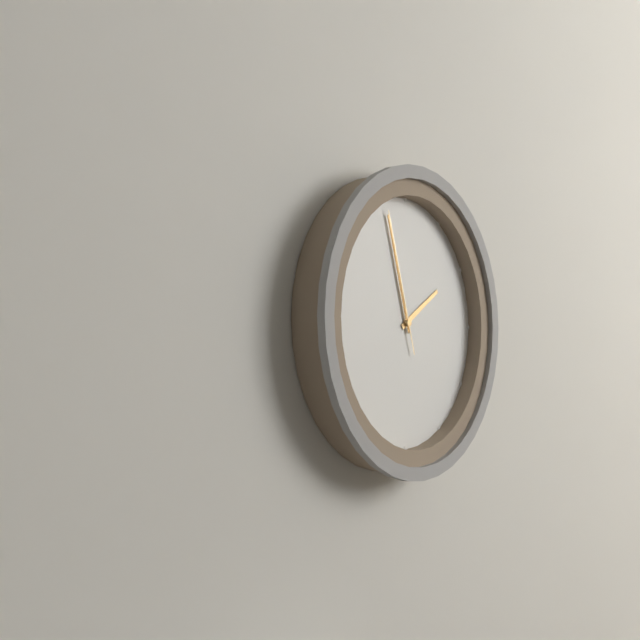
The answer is **1:57:57**
